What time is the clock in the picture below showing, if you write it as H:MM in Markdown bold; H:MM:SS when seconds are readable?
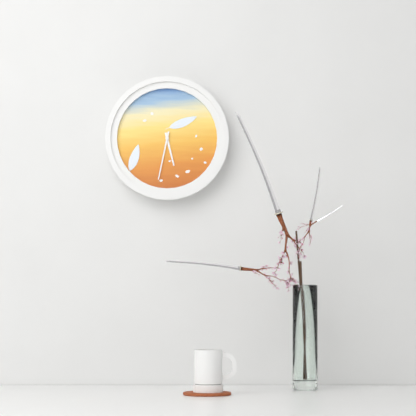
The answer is **5:32**
